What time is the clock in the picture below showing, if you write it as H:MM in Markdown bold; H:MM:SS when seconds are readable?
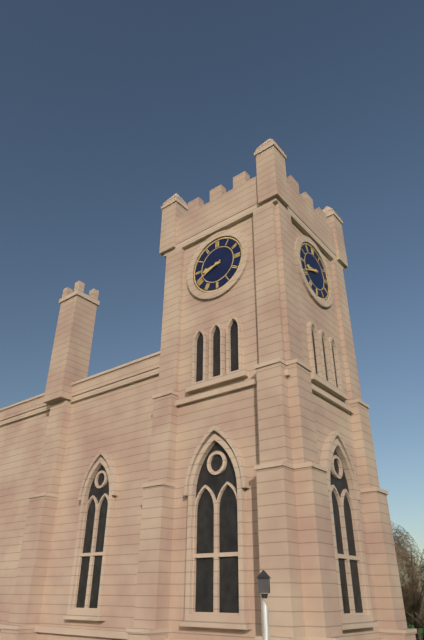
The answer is **8:41**
